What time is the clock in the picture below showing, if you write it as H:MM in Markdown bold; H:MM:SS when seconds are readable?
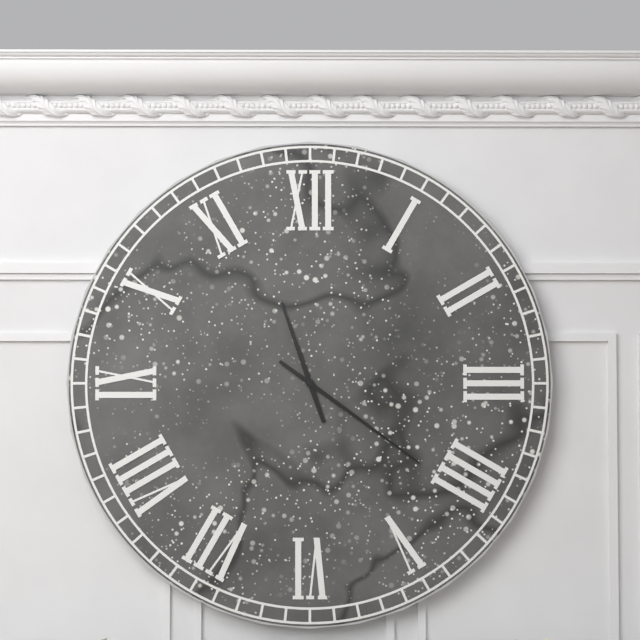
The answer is **11:21**
